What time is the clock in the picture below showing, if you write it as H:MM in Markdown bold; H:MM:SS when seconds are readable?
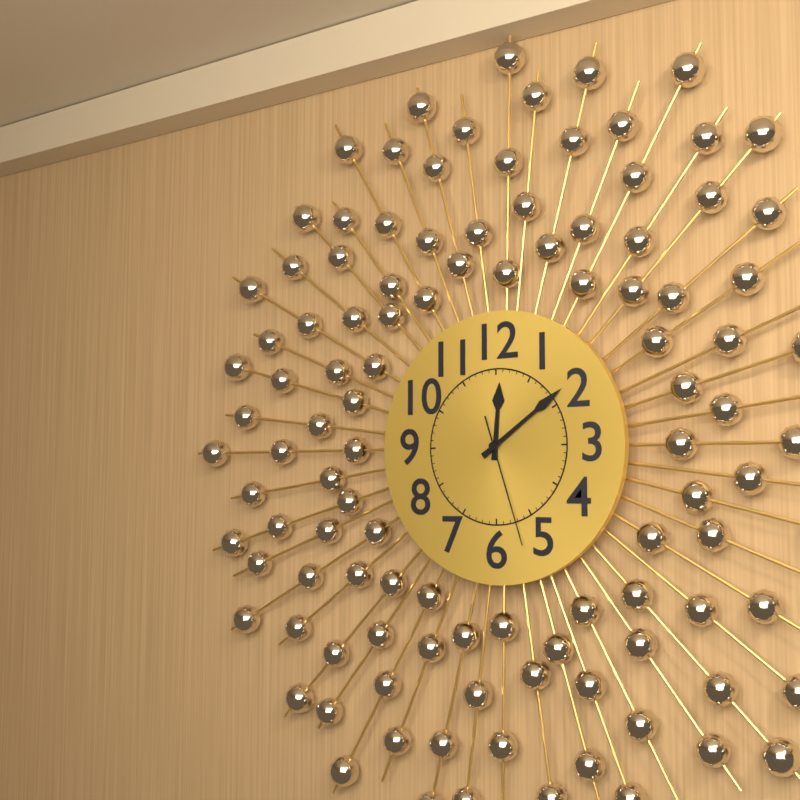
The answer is **12:09:27**
